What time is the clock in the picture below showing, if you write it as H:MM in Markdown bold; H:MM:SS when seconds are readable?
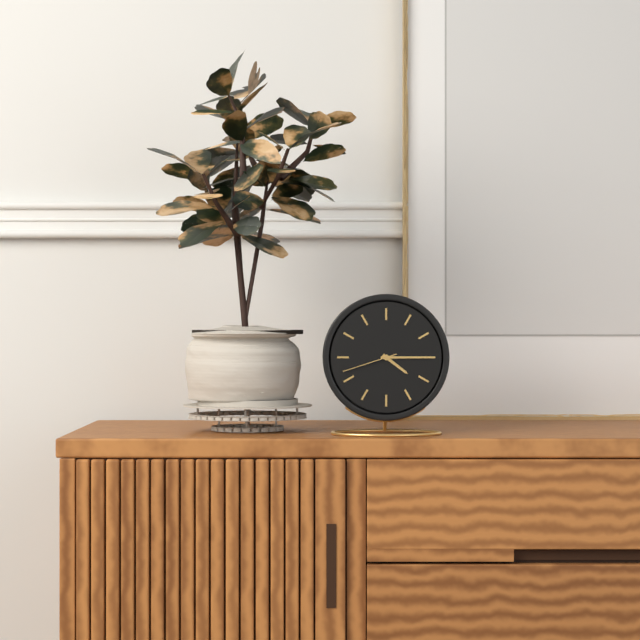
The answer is **4:15:42**
